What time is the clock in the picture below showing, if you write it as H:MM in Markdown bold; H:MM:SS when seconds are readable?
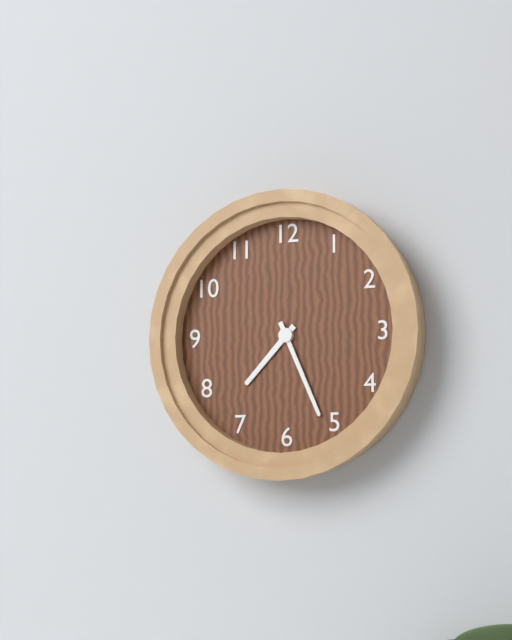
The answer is **7:26**
